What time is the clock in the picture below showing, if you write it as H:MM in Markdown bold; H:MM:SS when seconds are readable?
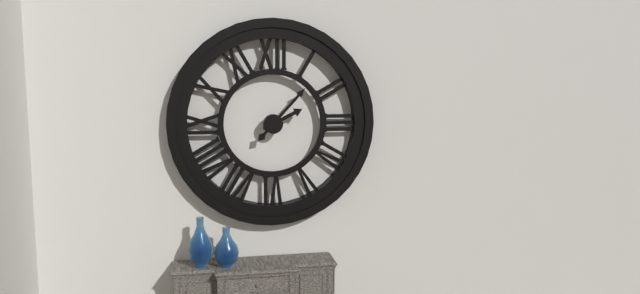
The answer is **2:07**
